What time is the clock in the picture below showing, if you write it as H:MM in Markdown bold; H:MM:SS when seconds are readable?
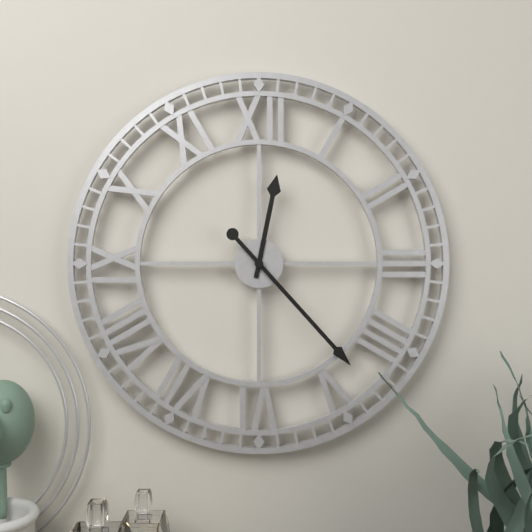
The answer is **12:23**
